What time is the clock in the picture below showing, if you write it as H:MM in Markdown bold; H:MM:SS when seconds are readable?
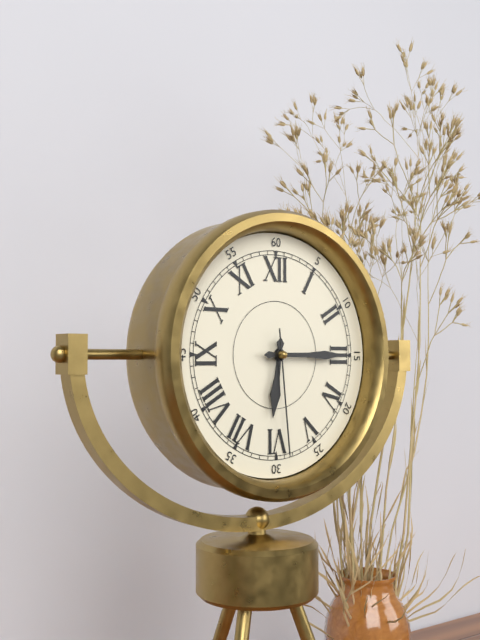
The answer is **6:15:29**
